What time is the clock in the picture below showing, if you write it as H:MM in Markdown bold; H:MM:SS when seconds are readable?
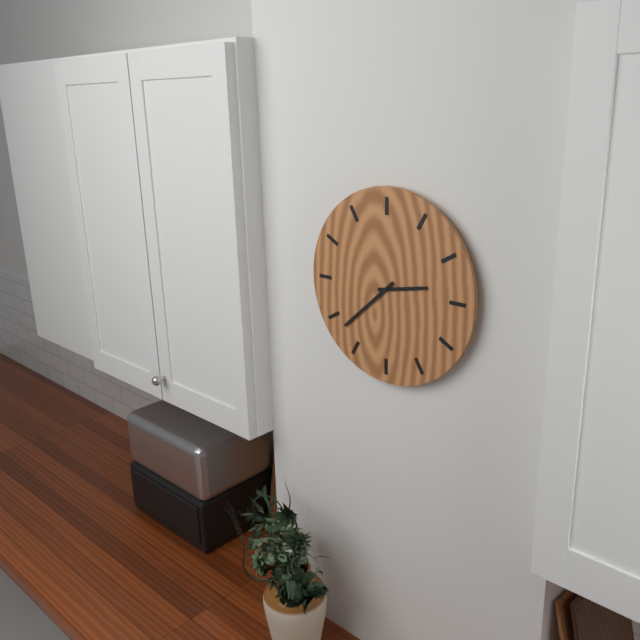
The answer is **2:38**
